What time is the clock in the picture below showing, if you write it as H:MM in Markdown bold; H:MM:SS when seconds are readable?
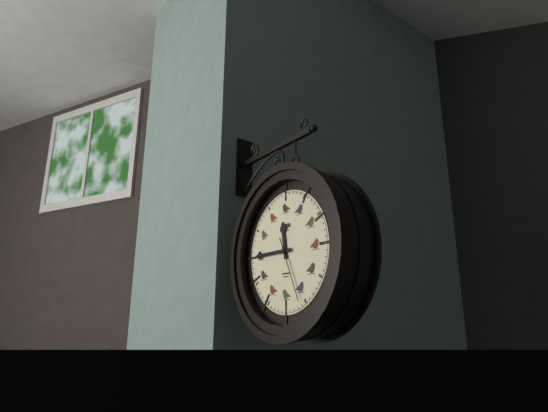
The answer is **11:45:26**
